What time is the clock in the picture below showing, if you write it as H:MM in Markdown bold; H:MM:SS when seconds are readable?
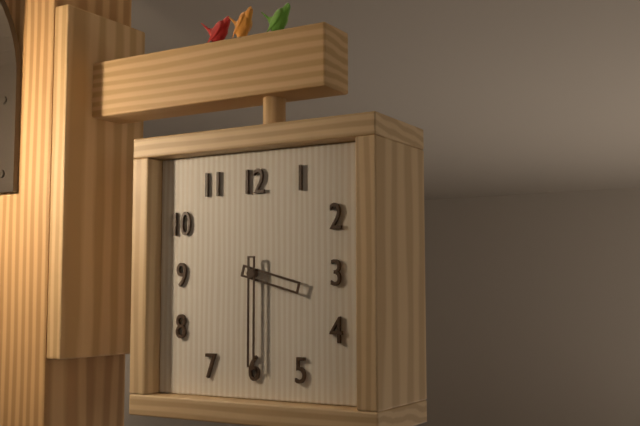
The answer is **3:30**
